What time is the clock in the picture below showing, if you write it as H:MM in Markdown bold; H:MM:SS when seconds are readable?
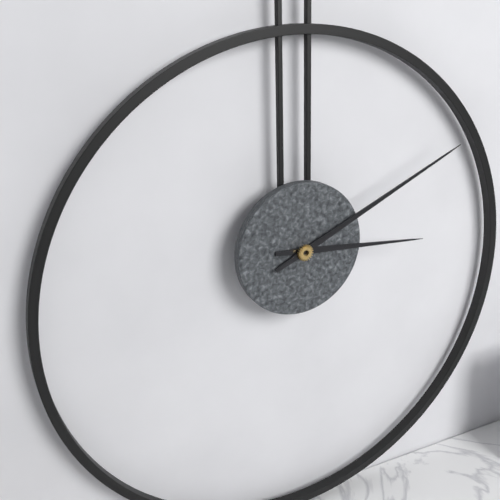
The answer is **3:11**
